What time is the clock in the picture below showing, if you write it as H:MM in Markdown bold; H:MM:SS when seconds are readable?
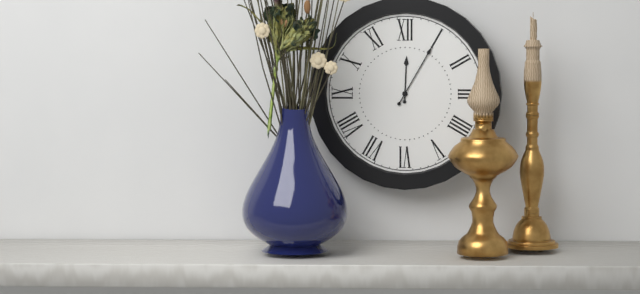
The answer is **12:05**
